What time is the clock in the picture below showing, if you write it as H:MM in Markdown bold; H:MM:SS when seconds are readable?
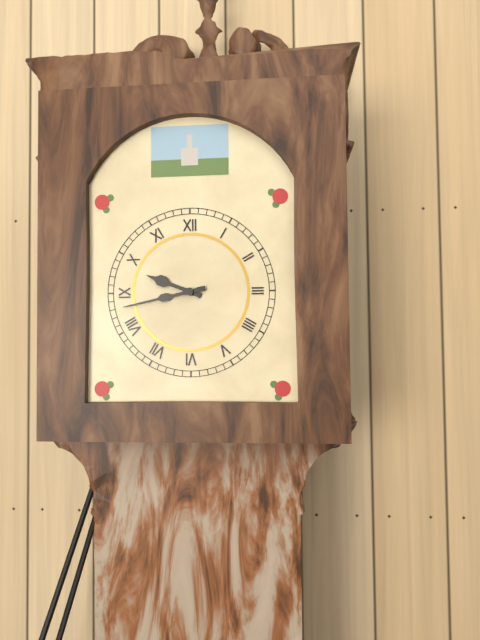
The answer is **9:43**
